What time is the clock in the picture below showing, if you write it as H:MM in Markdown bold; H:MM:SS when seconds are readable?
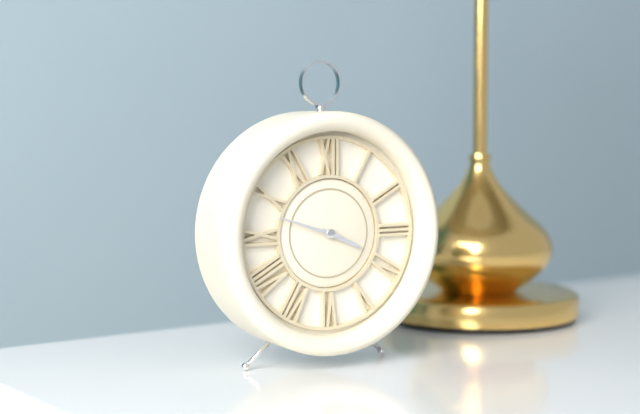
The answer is **3:48**
